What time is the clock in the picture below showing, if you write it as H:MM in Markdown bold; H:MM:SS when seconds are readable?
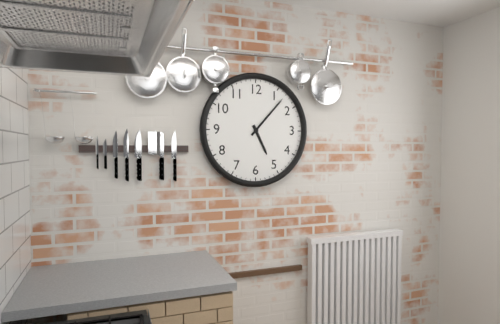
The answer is **5:07**
